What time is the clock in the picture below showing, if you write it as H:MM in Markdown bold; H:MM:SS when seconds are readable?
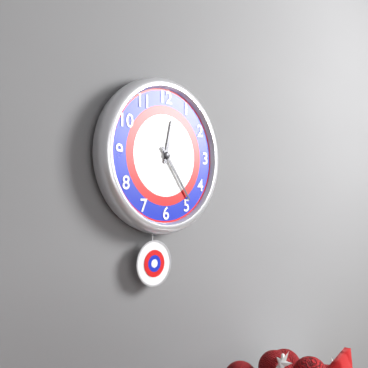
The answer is **12:24**
